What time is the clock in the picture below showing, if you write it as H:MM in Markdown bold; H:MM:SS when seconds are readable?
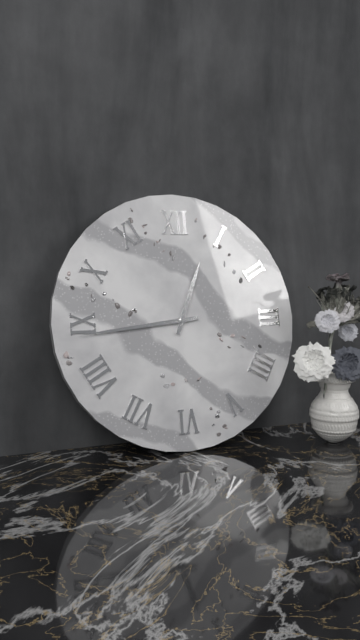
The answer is **12:44**
